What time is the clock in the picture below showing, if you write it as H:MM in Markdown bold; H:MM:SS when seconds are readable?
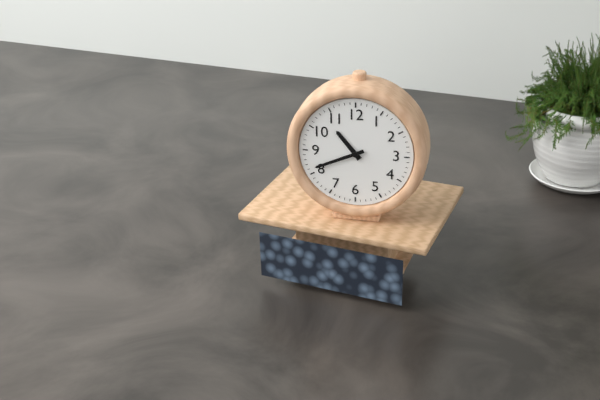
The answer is **10:41**
